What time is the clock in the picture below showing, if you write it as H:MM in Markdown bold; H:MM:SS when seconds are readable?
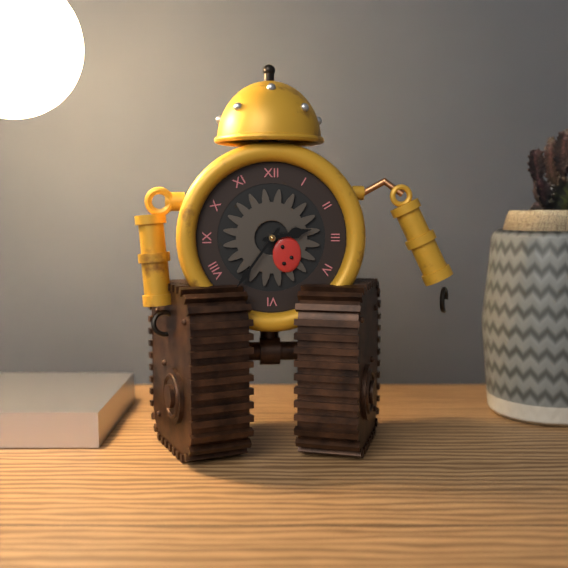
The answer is **2:36**
